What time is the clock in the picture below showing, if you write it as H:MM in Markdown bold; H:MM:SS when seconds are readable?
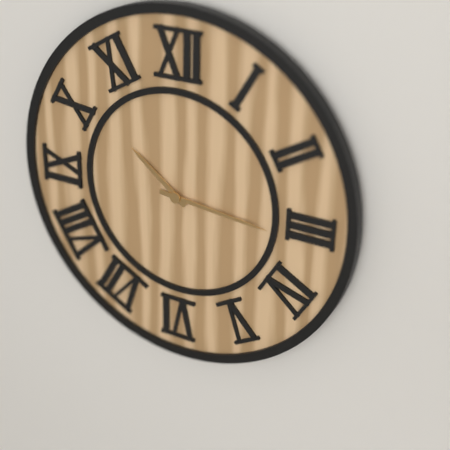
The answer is **10:16**
